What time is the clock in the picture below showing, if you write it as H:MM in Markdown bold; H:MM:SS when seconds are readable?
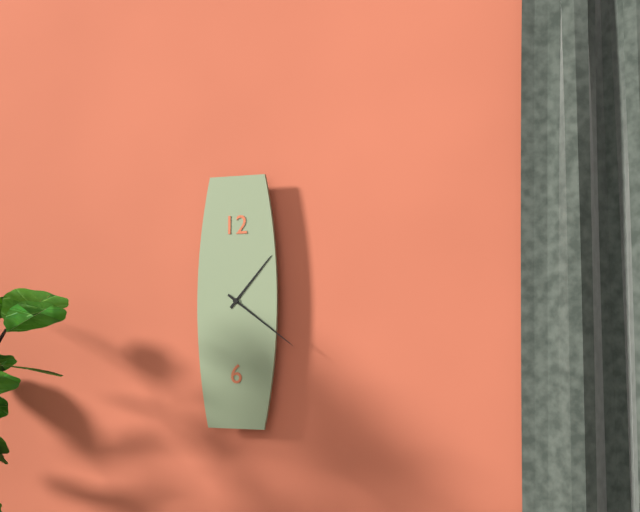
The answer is **1:21**
